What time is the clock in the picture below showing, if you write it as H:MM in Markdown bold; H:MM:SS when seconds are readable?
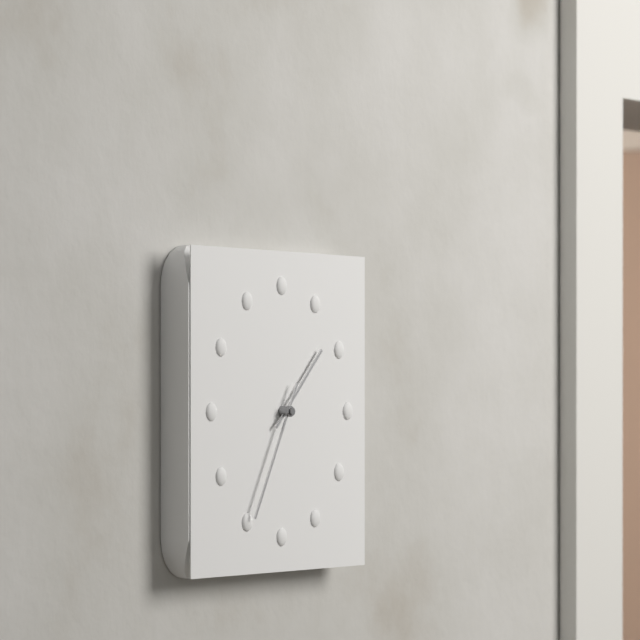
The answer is **1:35**
